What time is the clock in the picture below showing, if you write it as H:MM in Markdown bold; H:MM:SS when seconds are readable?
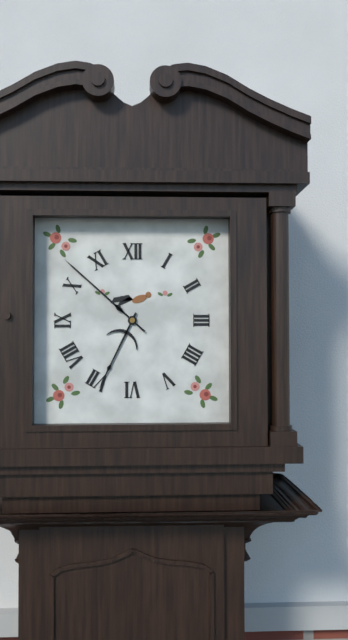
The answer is **6:52**
